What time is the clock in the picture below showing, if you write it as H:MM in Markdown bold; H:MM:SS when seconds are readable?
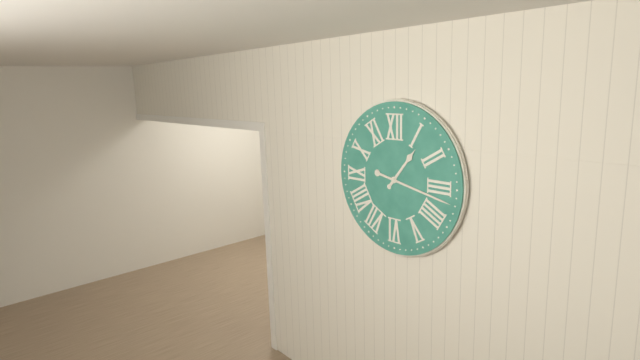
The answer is **1:17**
